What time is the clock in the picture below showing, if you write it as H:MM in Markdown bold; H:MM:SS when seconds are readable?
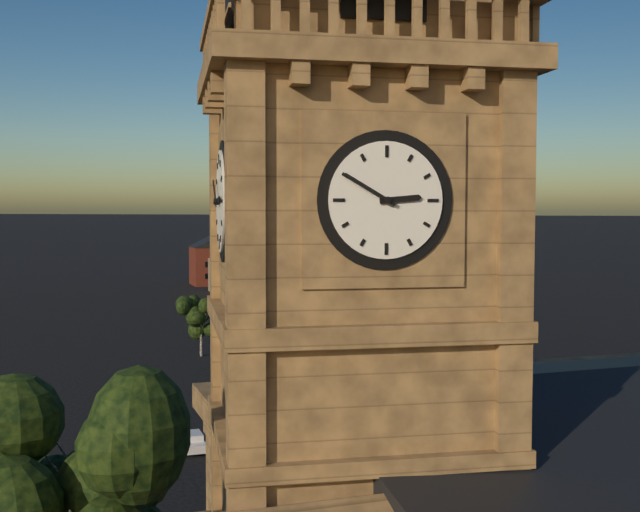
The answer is **2:50**
